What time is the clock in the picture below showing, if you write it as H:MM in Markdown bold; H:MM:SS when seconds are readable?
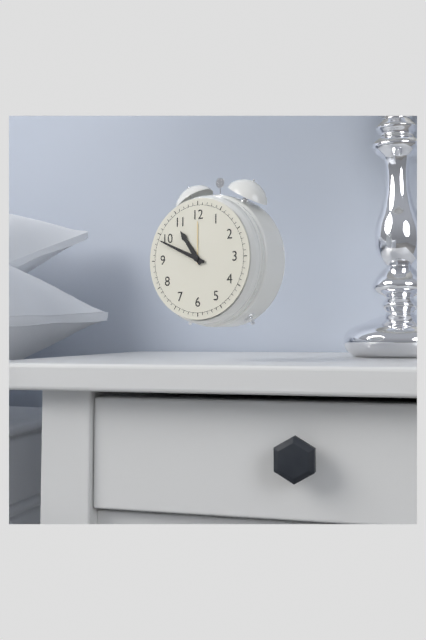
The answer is **10:49**
